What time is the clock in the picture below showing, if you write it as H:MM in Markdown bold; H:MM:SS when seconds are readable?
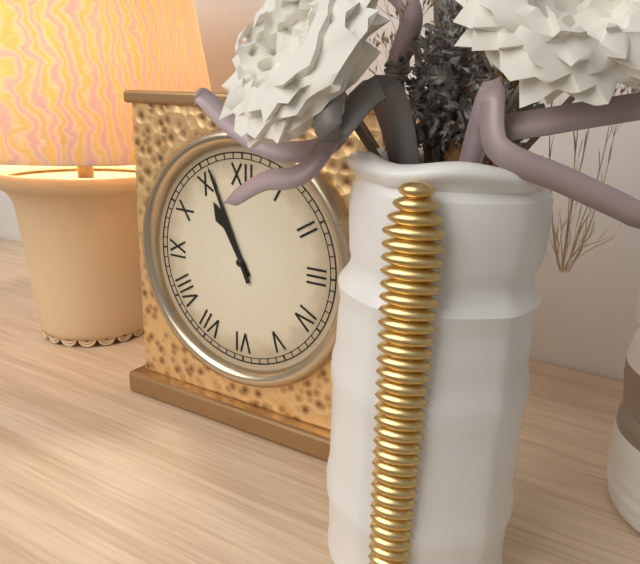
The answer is **10:56**
